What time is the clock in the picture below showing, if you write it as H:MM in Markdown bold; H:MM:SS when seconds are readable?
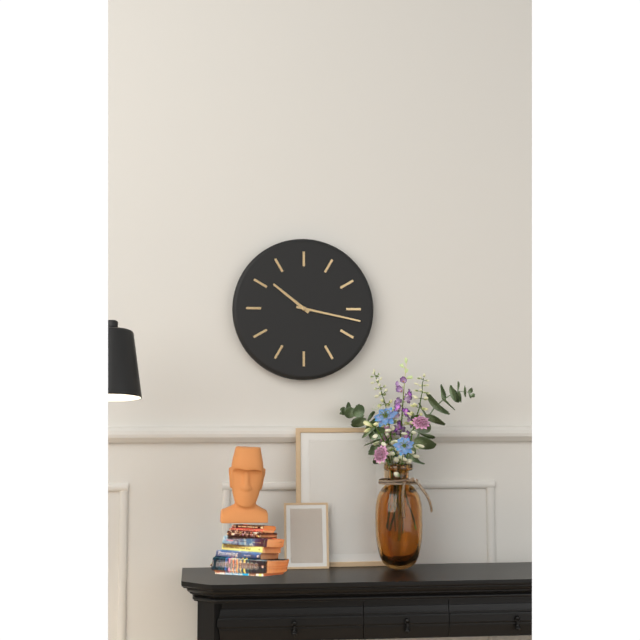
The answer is **10:17**
